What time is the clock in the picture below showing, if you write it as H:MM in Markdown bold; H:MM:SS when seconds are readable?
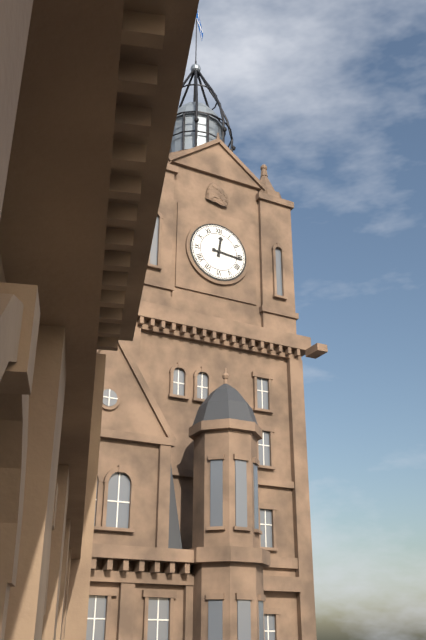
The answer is **12:16**
